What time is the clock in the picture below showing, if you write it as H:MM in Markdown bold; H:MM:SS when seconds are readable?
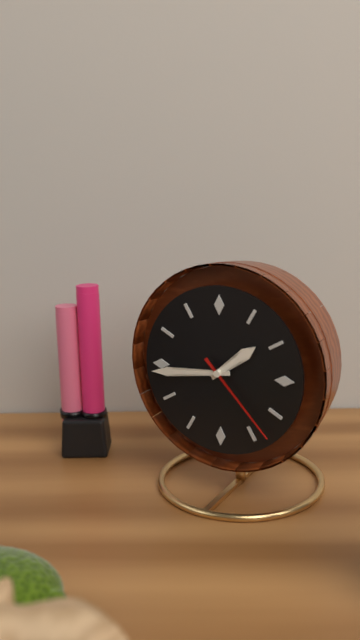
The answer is **1:44:23**
